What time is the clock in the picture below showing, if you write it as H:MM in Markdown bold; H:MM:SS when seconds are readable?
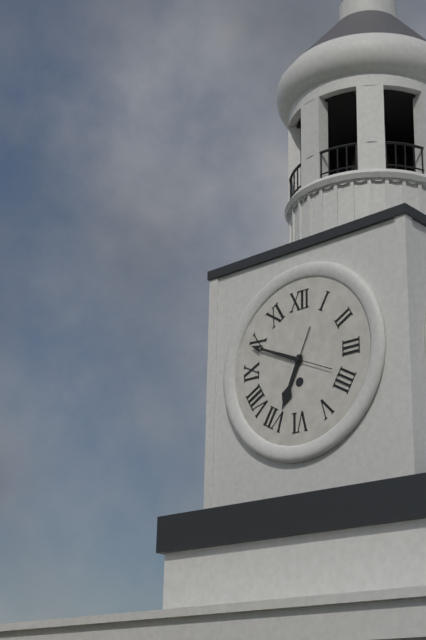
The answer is **6:49**
